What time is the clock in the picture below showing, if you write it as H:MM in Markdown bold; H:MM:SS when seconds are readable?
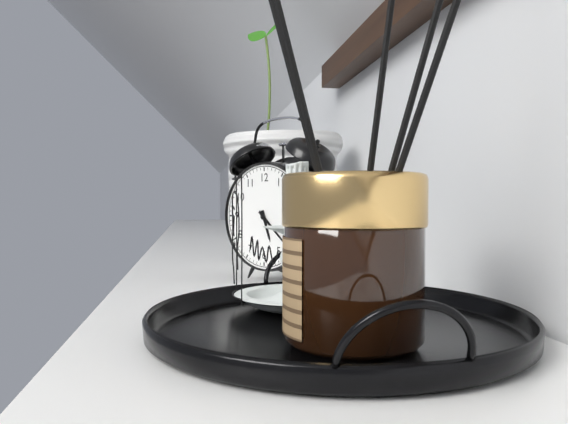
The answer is **5:22**
